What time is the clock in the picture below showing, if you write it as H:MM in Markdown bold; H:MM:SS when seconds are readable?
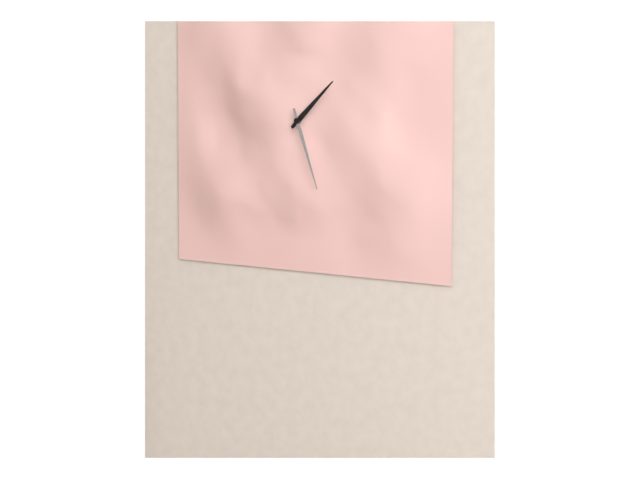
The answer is **1:27**
